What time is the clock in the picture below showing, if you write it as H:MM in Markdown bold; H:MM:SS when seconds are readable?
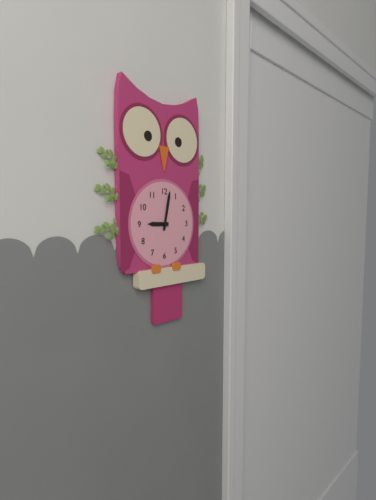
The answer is **9:02**
